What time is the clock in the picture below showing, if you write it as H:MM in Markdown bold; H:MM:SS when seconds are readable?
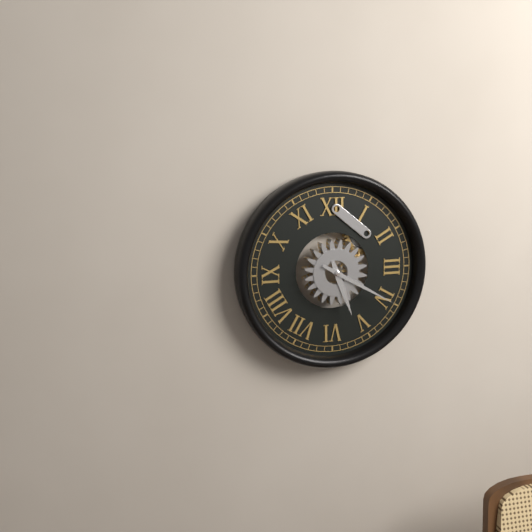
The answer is **5:20**
